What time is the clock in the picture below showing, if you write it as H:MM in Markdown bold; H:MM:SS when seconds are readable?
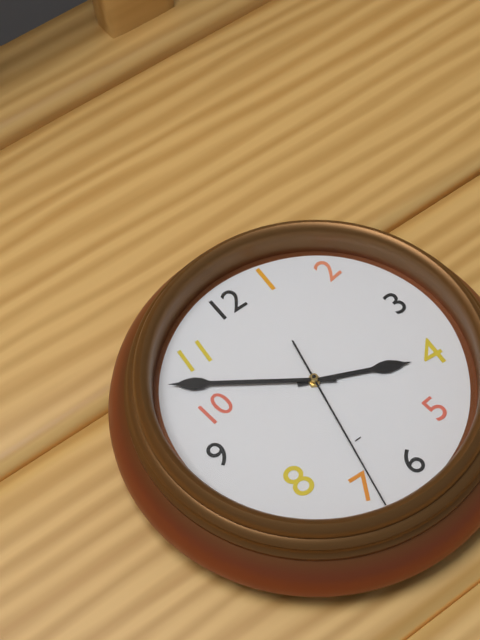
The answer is **3:51:32**
